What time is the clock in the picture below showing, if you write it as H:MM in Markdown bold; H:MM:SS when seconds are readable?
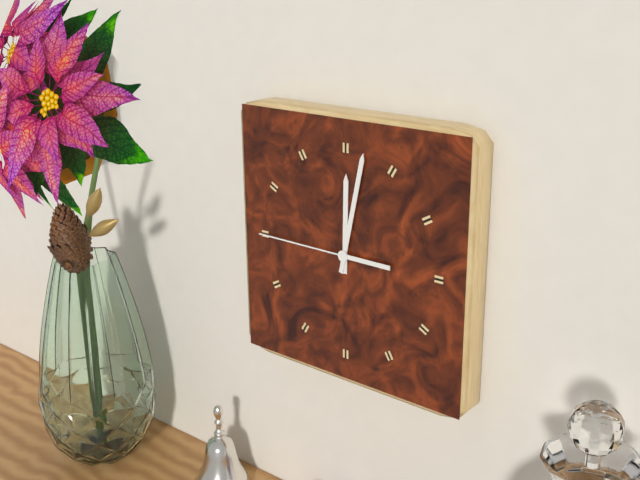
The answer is **12:02:45**
